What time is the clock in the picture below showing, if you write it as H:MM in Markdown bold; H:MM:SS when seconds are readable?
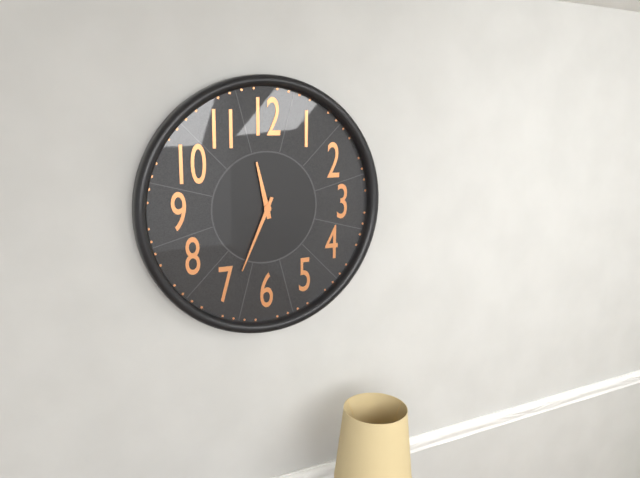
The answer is **11:34**
